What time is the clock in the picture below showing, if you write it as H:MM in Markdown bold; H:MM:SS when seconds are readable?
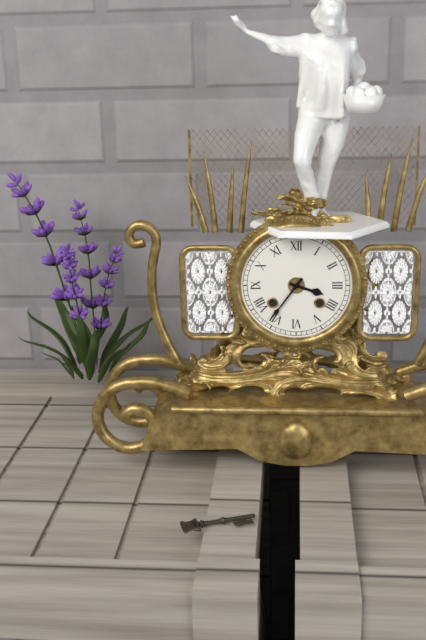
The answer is **3:36**
